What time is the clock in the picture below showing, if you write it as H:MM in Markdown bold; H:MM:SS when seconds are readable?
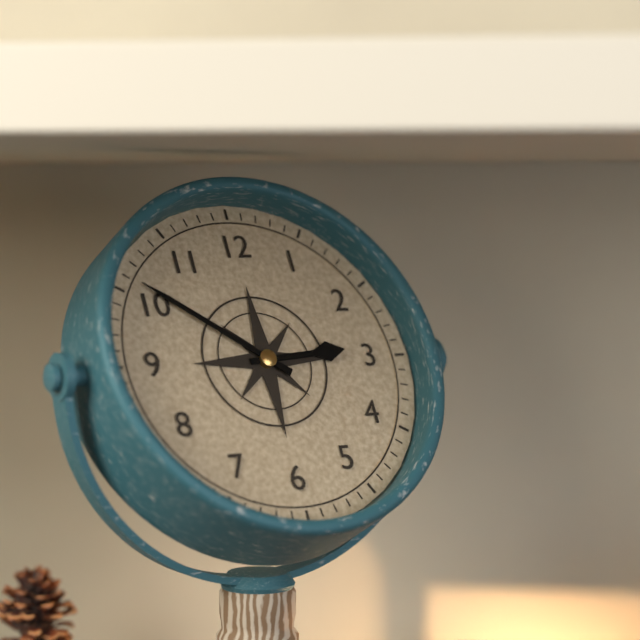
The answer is **2:51**
